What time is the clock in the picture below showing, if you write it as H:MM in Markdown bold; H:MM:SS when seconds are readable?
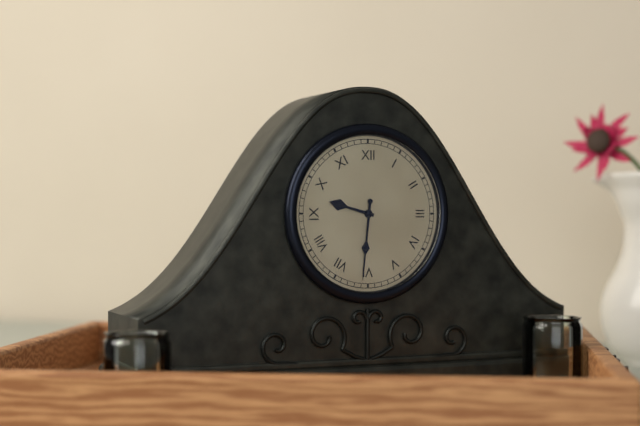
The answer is **9:31**
